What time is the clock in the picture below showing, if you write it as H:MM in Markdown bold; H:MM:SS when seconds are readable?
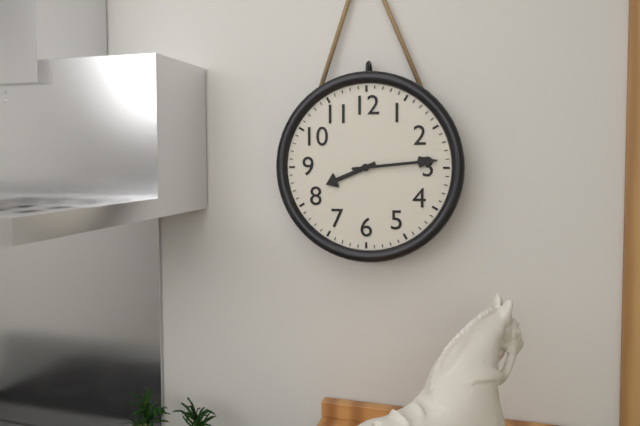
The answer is **8:14**
